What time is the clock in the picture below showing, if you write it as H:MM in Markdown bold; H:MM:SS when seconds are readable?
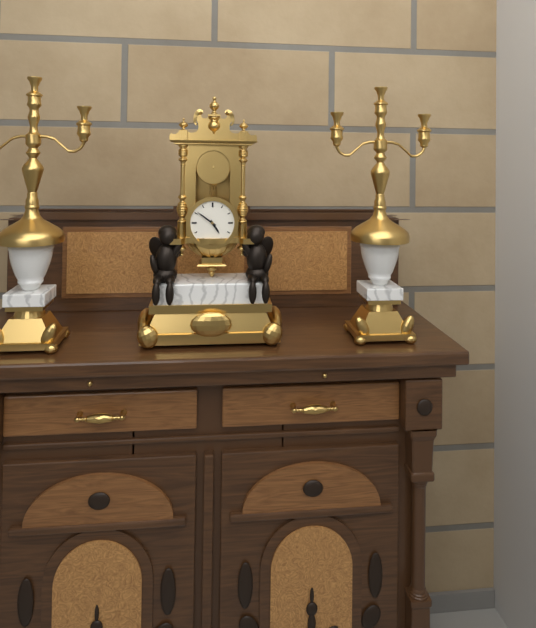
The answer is **4:51**
